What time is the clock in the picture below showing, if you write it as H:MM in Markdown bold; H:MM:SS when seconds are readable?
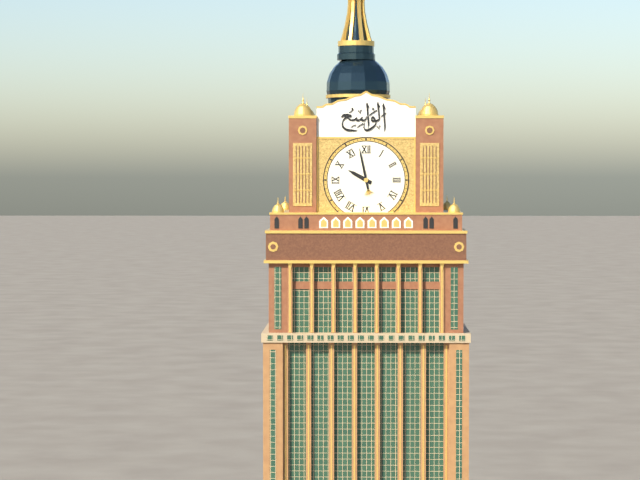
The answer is **9:58**
